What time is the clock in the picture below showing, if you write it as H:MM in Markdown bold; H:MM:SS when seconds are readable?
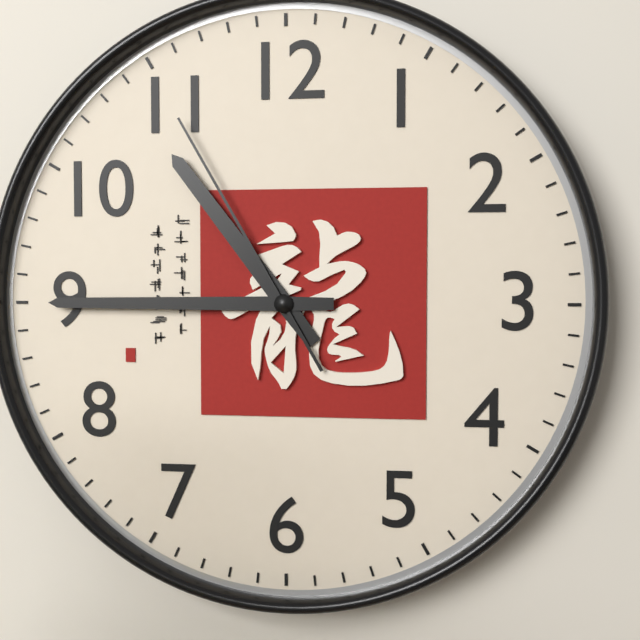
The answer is **10:45:55**
